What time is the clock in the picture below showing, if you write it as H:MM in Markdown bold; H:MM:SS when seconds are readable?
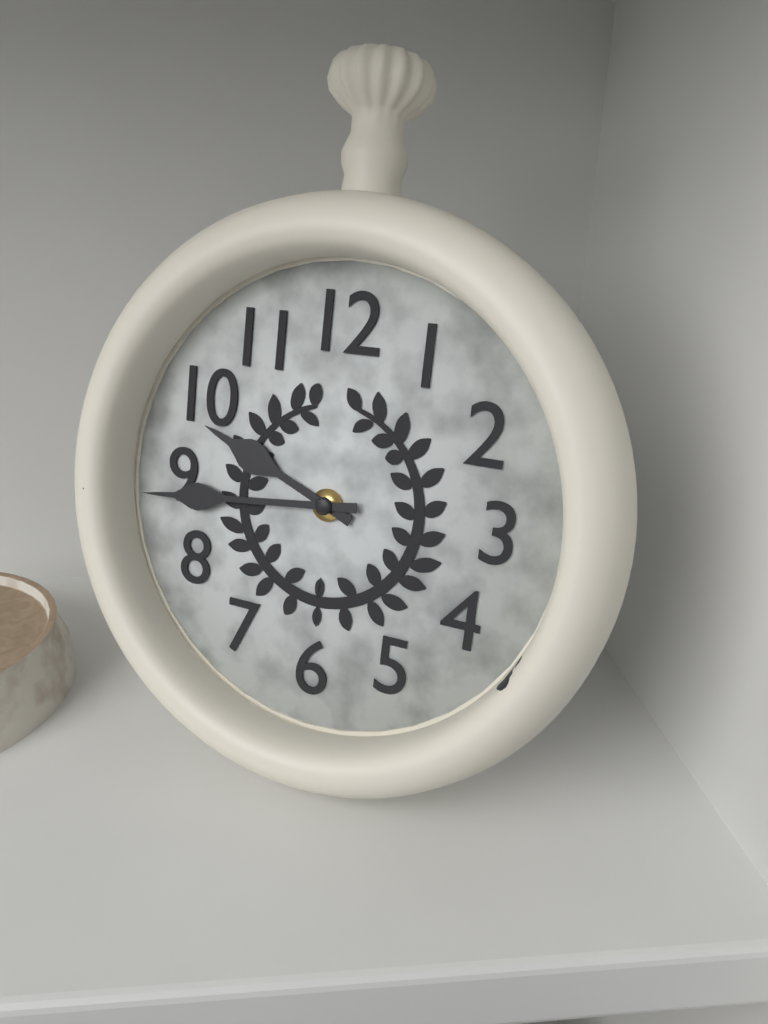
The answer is **9:44**
